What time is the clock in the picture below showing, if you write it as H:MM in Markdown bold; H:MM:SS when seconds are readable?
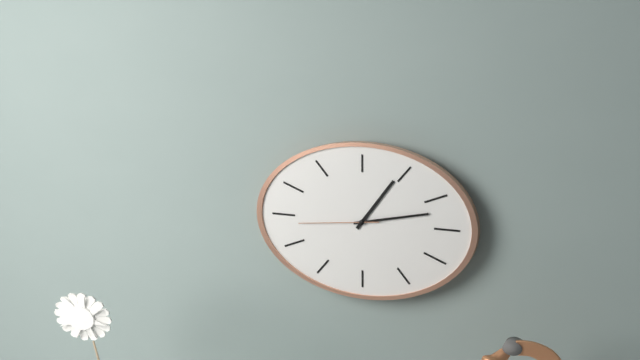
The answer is **1:13:44**
